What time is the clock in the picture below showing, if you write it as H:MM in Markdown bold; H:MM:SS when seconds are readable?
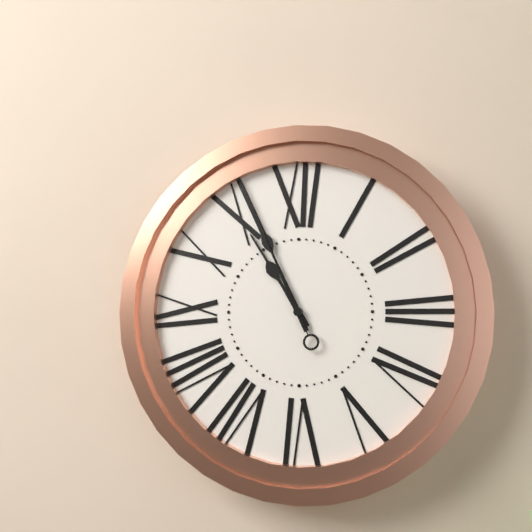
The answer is **10:56:56**
